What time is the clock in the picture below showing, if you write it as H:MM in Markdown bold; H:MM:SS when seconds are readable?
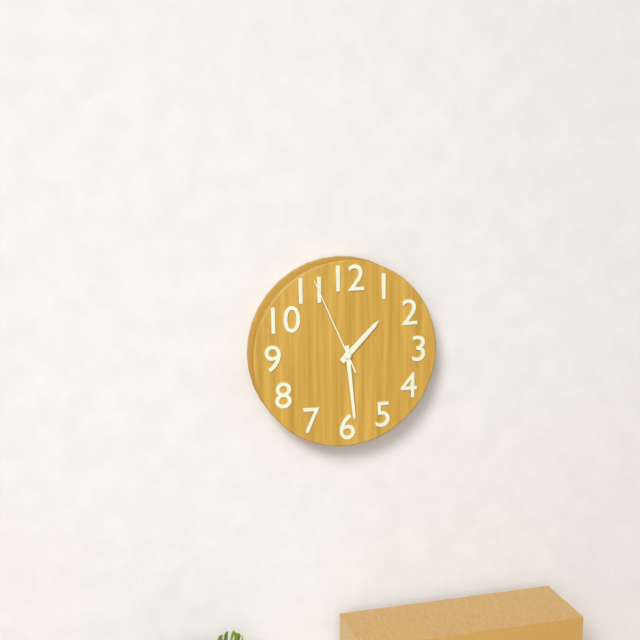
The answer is **1:29:56**
